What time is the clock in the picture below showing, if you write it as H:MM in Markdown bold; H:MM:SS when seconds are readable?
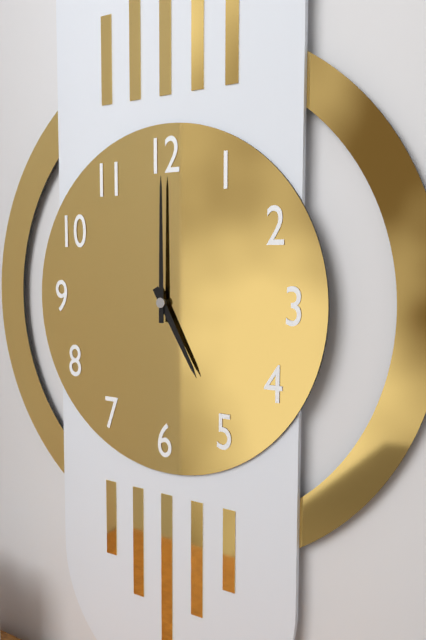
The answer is **5:00**
